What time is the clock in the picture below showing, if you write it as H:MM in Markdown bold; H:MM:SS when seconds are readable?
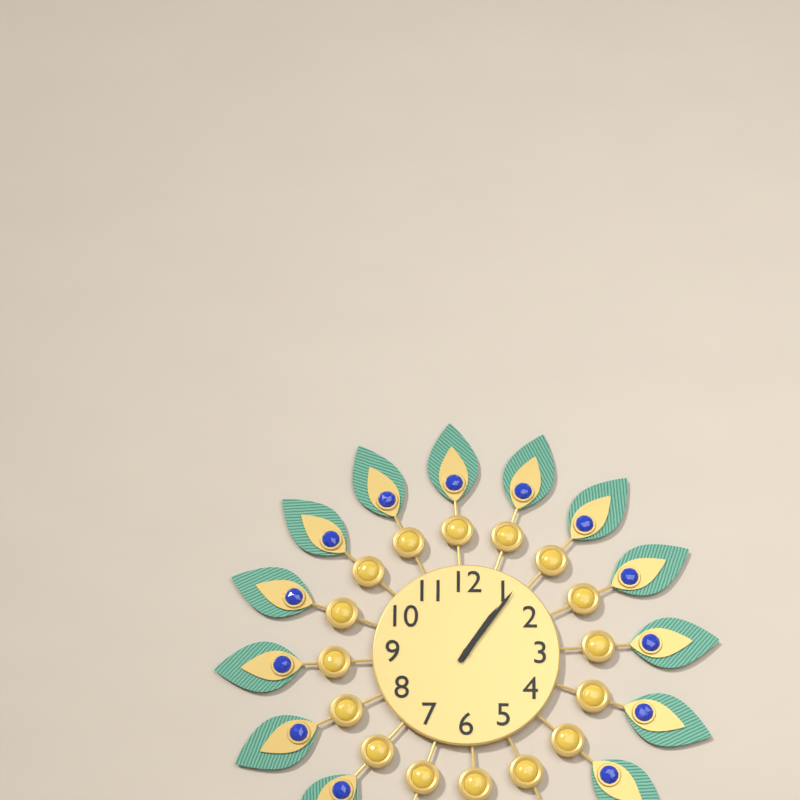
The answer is **1:06**
